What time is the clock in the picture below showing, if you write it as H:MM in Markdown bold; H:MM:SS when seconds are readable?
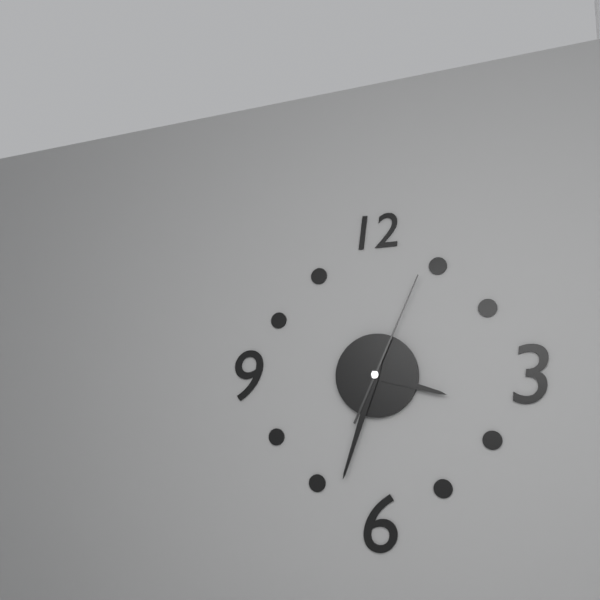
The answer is **3:33:04**
